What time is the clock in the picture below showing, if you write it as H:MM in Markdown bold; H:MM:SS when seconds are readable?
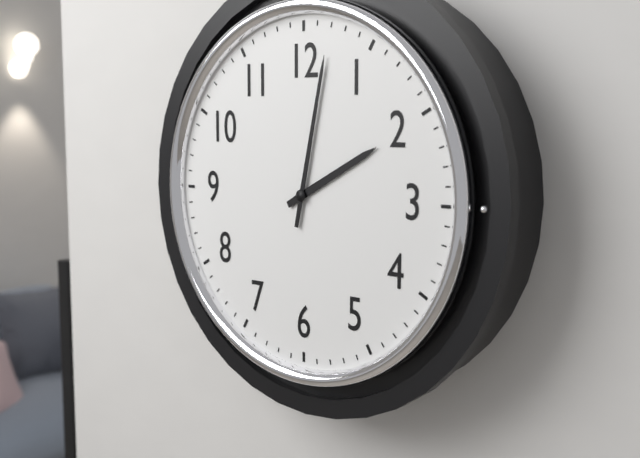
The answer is **2:02**
